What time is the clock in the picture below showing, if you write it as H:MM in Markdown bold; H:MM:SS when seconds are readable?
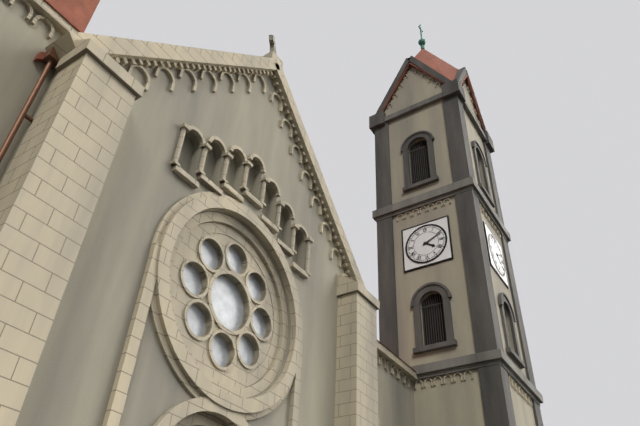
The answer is **4:11**
